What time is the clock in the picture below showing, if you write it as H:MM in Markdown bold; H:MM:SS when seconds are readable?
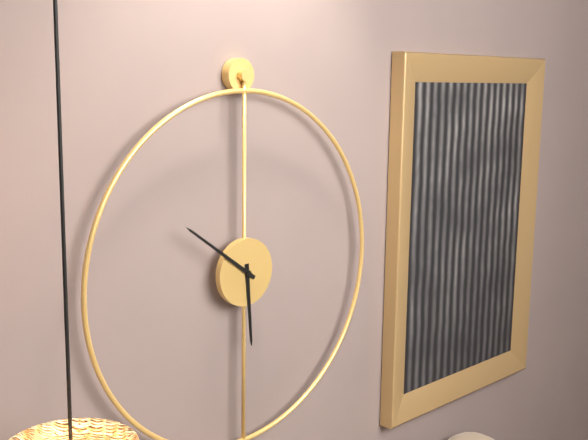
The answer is **5:51**
